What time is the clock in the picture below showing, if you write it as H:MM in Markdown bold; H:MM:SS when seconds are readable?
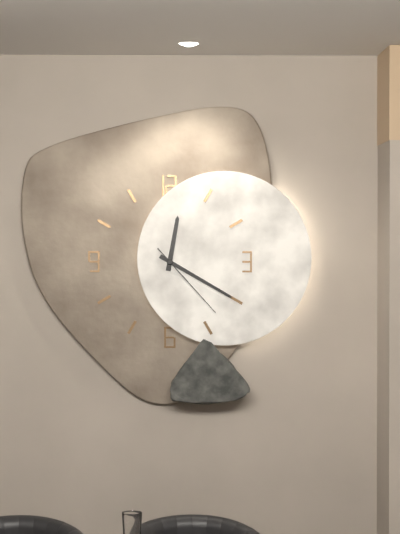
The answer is **12:20:23**
